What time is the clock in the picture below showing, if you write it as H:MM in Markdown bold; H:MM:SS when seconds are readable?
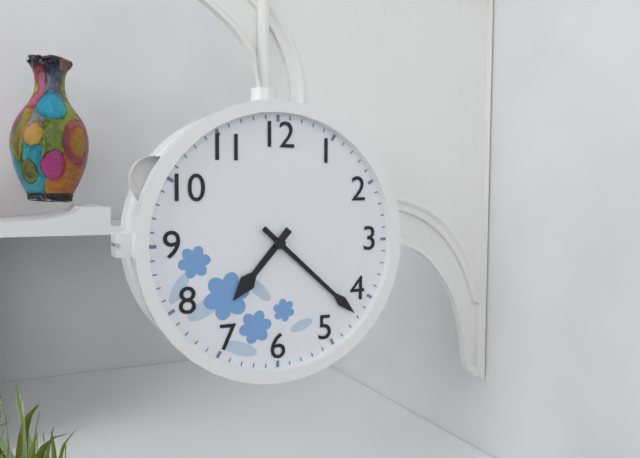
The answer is **7:22**
